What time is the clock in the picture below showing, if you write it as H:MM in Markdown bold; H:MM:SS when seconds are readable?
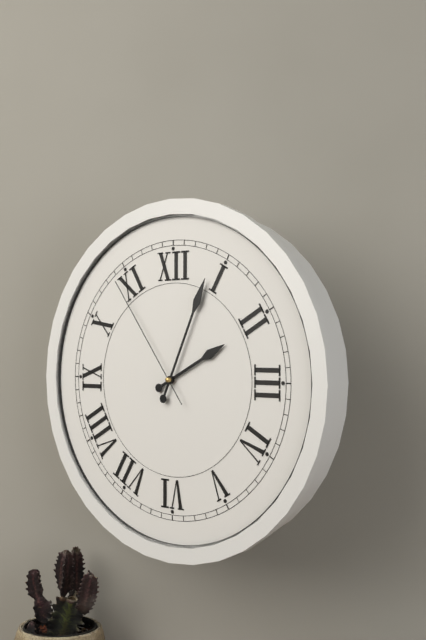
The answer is **2:04:54**
